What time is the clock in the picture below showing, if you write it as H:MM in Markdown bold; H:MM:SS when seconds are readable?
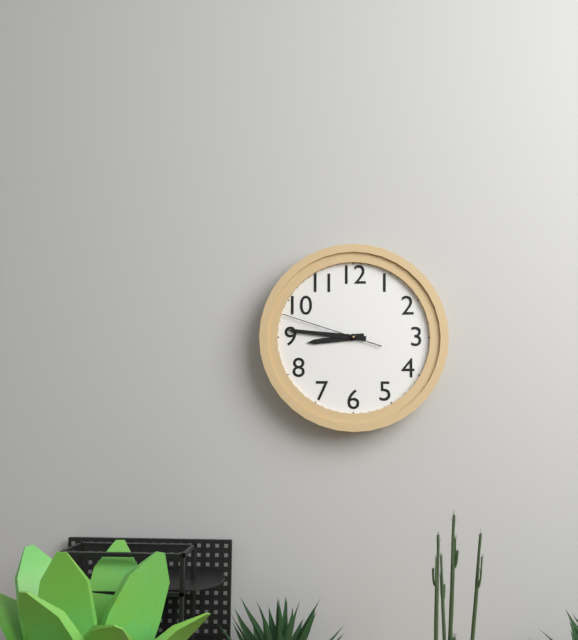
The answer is **8:46:48**
